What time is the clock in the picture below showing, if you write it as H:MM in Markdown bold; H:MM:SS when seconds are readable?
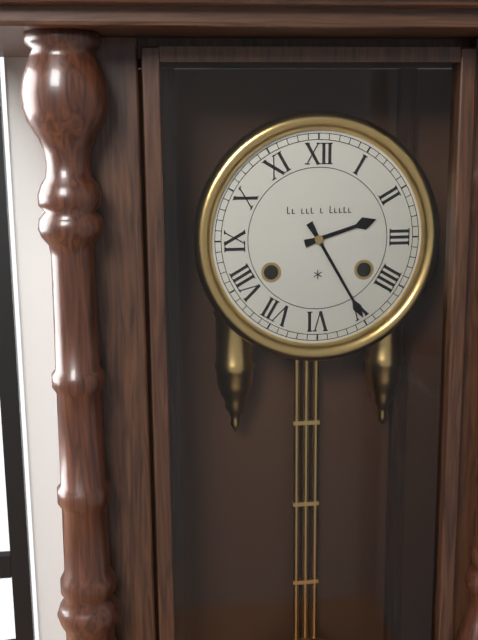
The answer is **2:25**
